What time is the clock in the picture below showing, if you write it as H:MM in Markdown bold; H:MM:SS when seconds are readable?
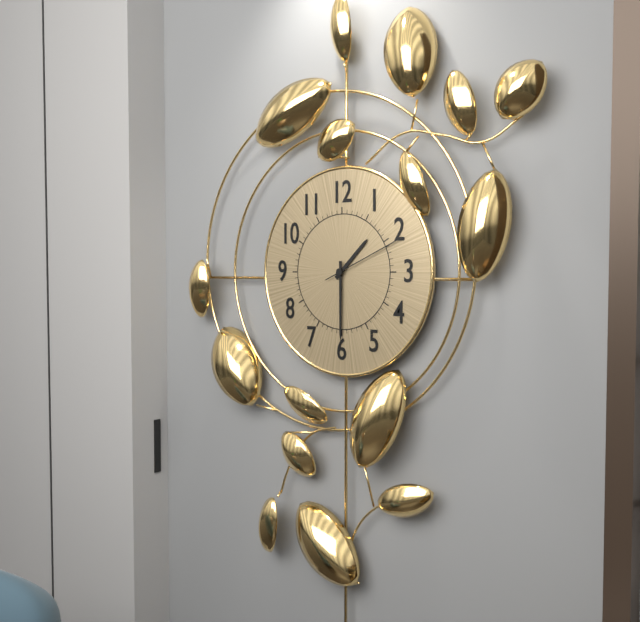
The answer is **1:30:11**
